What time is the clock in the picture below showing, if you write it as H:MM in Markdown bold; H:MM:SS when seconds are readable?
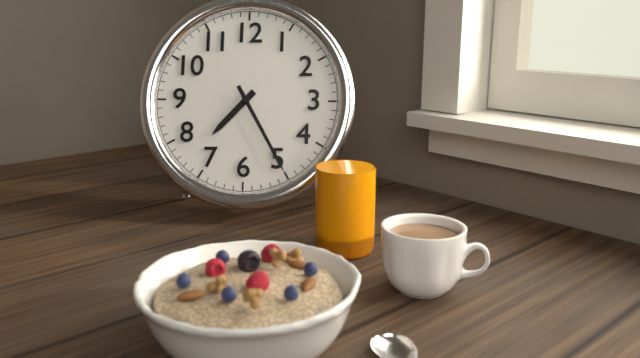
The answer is **7:25**
